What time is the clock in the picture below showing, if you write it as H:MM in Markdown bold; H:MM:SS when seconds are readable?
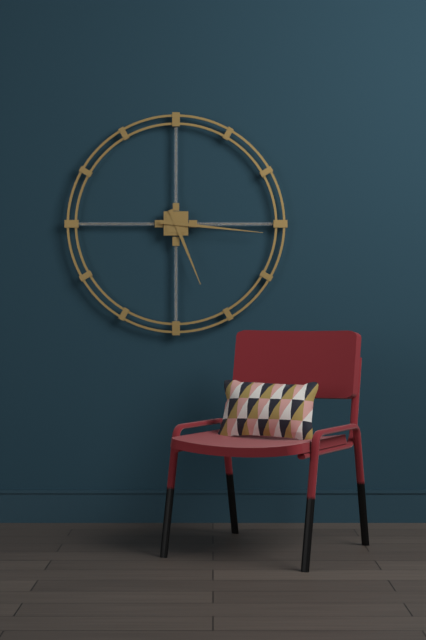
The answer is **5:16**
